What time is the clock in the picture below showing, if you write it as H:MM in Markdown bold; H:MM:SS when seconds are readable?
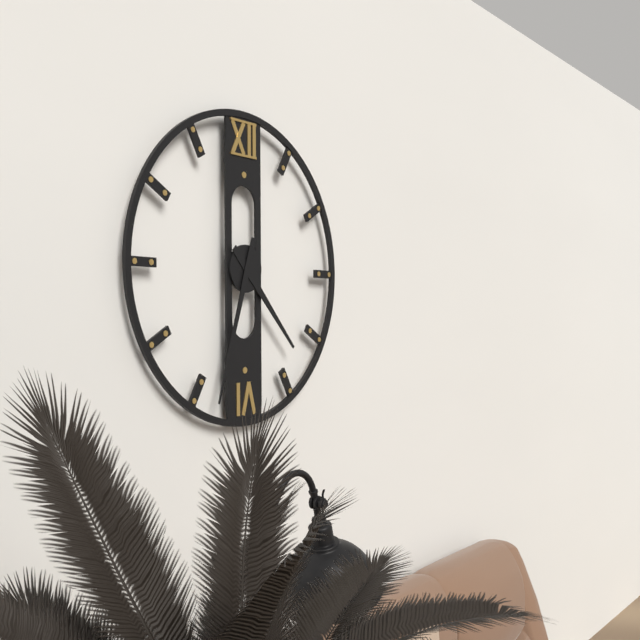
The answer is **4:33**
